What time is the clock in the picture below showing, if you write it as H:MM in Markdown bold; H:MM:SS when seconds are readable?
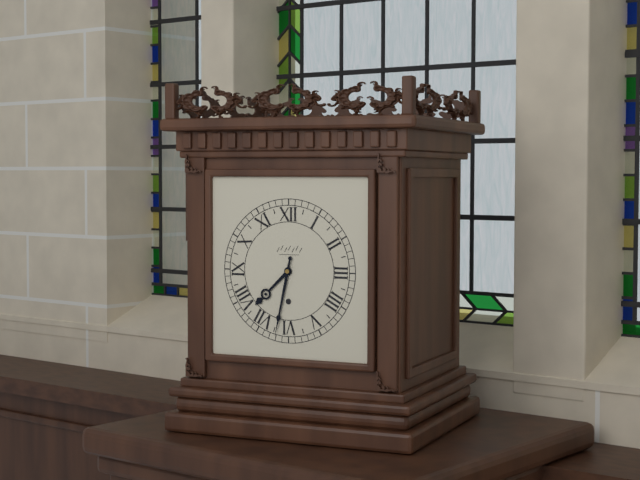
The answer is **7:32**
